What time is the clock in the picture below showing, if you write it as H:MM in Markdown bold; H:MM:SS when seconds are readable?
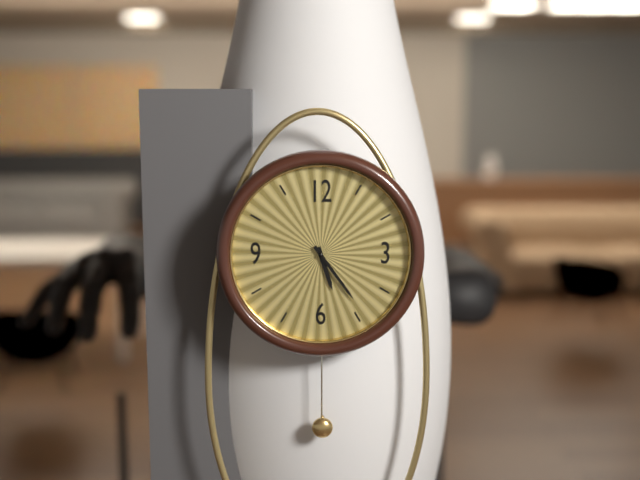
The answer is **5:24**
